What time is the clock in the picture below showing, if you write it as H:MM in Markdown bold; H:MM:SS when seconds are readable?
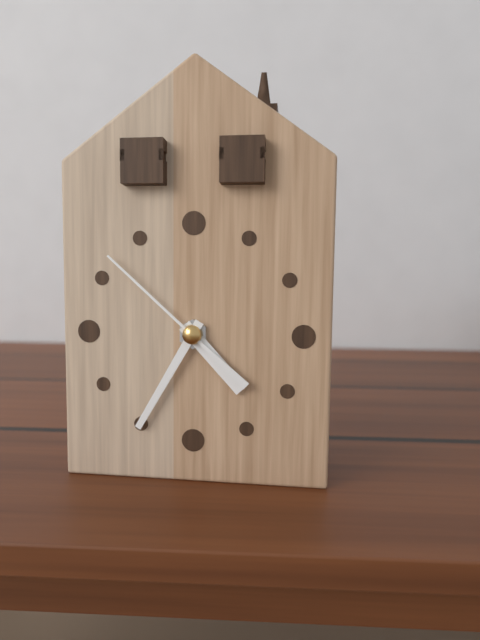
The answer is **4:35:52**
